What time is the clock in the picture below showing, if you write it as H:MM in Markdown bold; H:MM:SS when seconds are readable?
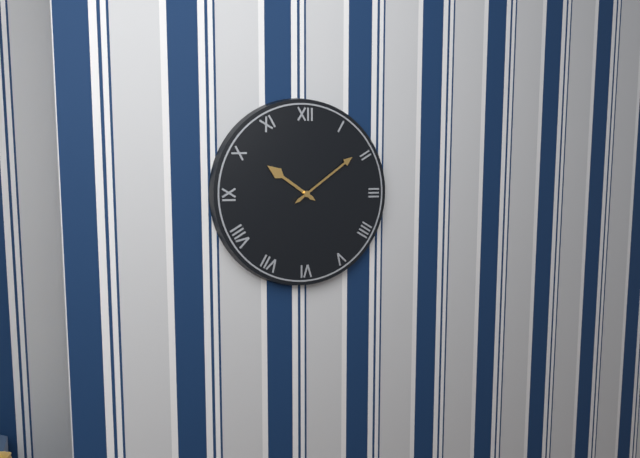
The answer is **10:09**
